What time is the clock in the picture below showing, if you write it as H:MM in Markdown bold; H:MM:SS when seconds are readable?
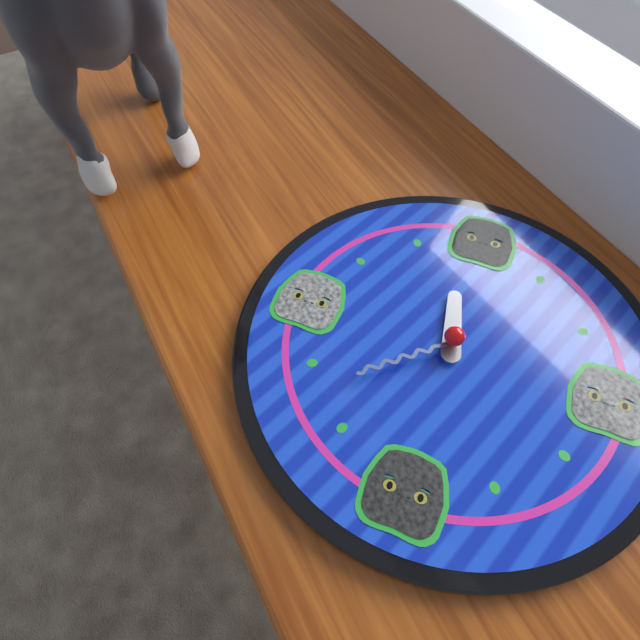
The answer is **11:38**
